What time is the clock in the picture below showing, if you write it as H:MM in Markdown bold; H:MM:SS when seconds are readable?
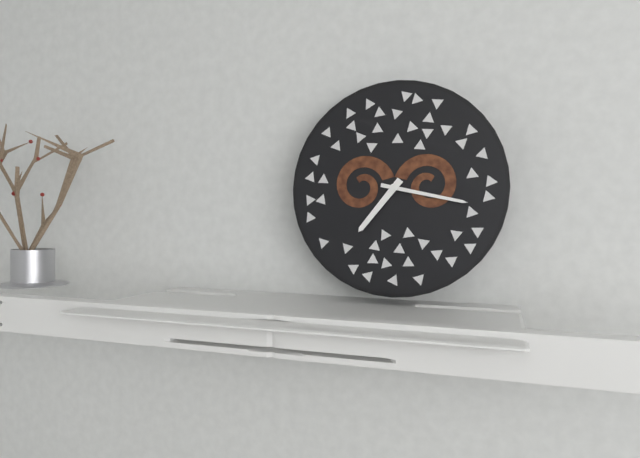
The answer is **7:17**
